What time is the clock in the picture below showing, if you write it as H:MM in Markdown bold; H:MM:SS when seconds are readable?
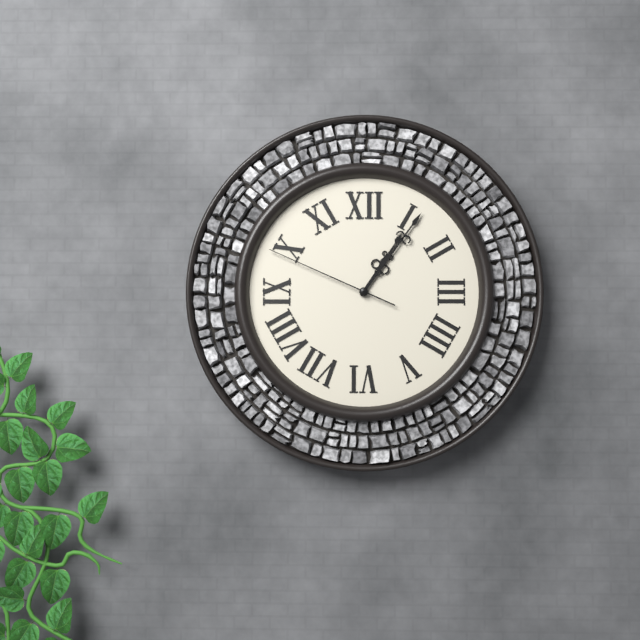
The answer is **1:06:49**
